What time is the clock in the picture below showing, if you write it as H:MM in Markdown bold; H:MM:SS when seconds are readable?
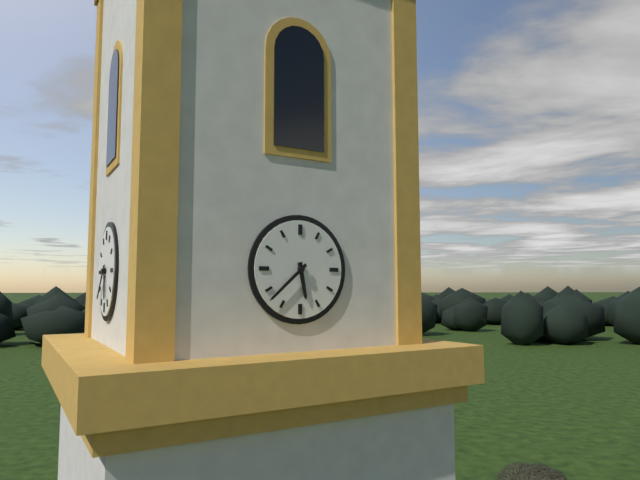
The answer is **5:38**
